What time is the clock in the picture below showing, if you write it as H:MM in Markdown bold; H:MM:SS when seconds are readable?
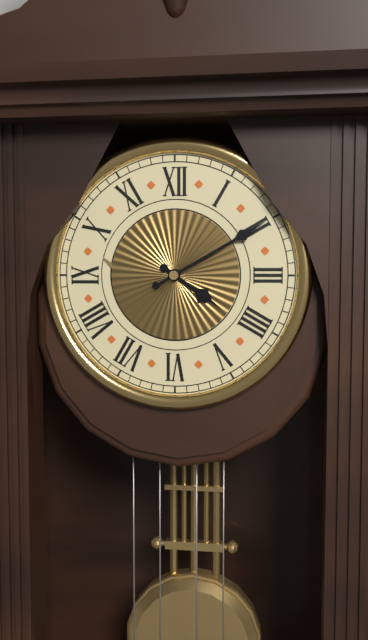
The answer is **4:10**
